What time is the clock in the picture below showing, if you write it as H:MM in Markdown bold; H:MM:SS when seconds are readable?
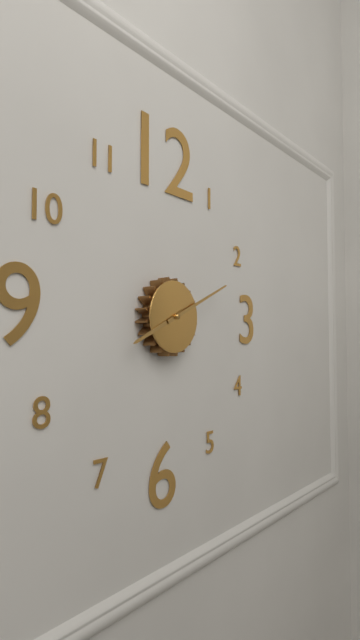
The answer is **8:11**
